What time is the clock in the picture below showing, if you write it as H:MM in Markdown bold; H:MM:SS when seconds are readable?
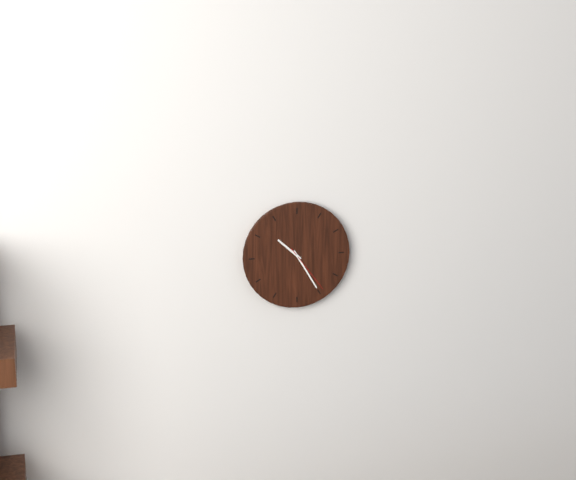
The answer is **10:25:24**
